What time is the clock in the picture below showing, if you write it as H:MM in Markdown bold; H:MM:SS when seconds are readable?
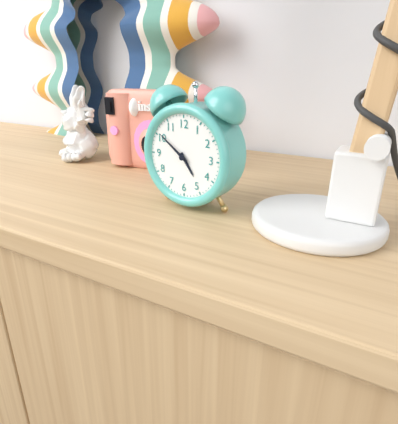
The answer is **4:51**
